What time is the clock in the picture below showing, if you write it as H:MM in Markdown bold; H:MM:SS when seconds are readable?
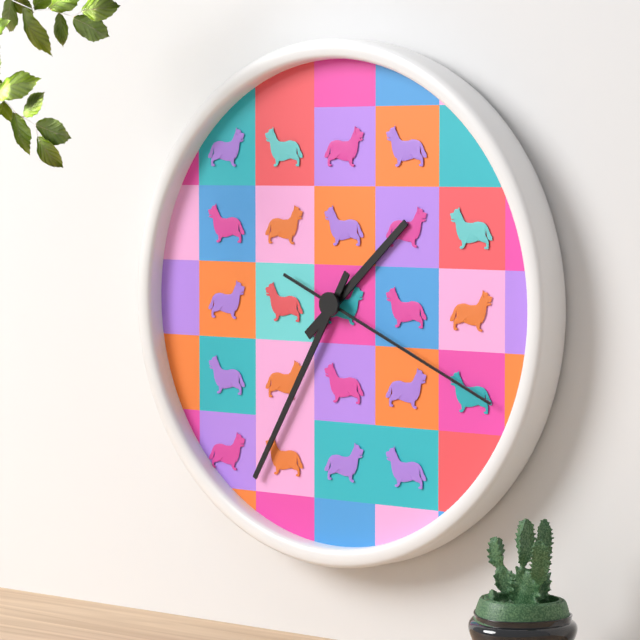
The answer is **1:35:19**
